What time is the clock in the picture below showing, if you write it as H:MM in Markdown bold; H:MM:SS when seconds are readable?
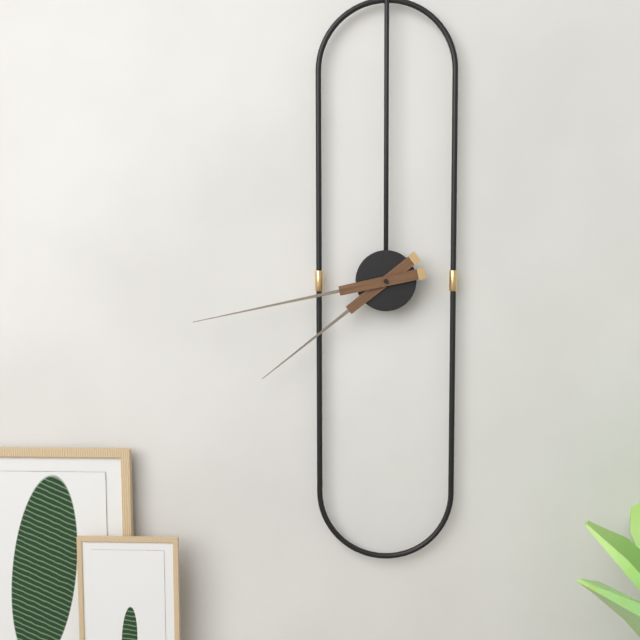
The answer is **7:43**
